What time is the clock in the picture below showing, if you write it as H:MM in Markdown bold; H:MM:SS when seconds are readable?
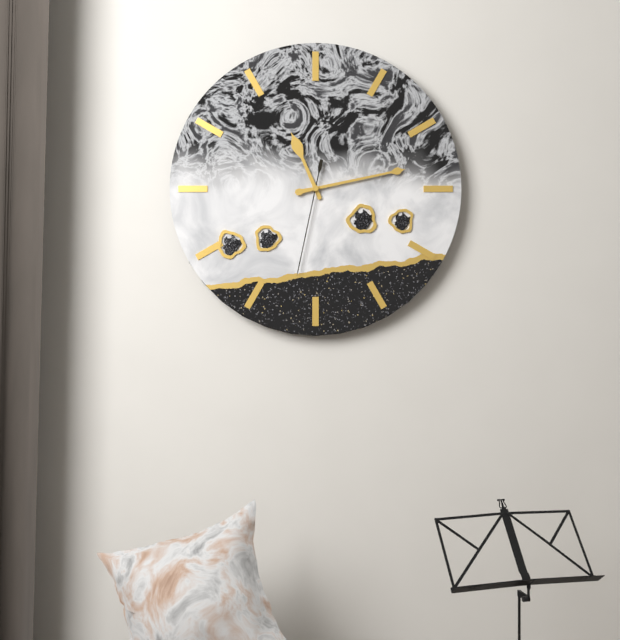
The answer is **11:13:32**
